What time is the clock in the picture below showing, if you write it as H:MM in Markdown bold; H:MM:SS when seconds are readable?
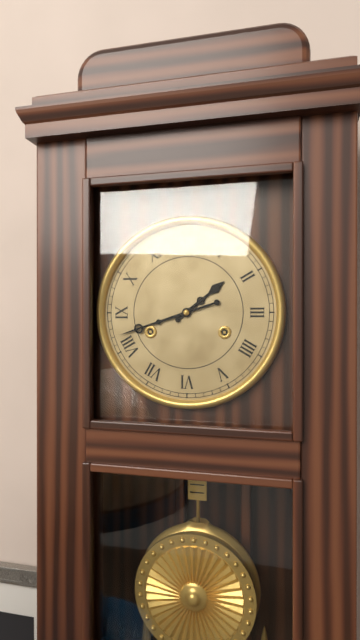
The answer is **1:42**
